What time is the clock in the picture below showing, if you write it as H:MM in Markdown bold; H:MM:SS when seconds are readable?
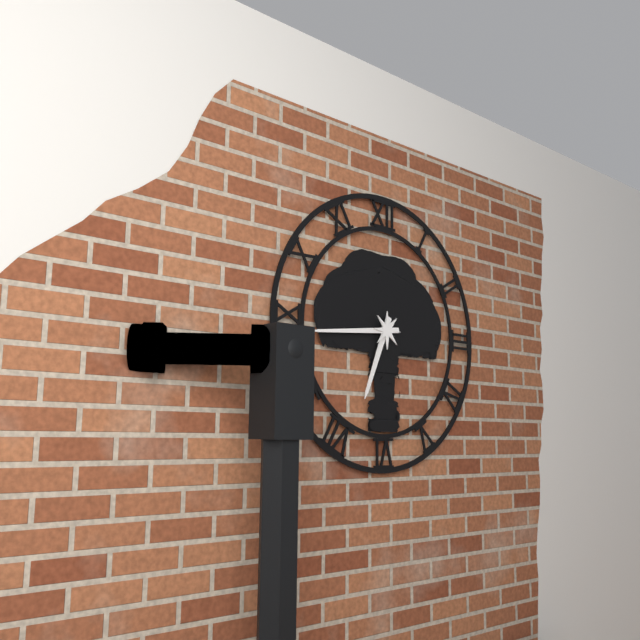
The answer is **6:44**
